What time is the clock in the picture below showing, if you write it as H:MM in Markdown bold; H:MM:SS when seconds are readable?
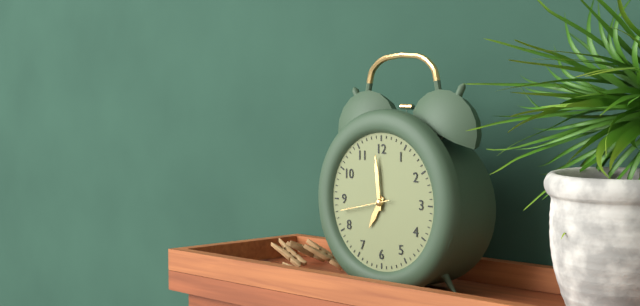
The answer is **6:59:43**
